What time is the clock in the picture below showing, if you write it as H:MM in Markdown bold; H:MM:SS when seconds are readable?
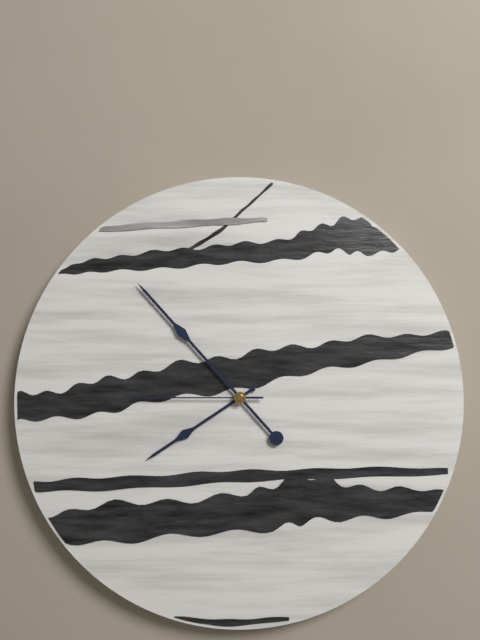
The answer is **7:53:45**
